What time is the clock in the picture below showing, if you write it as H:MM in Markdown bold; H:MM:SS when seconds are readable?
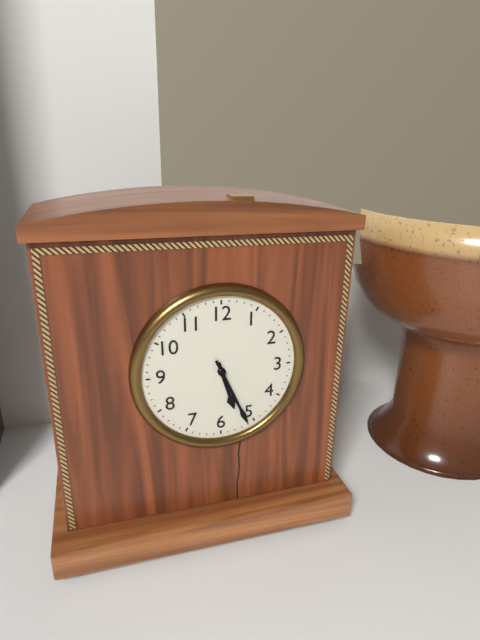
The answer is **5:26**
